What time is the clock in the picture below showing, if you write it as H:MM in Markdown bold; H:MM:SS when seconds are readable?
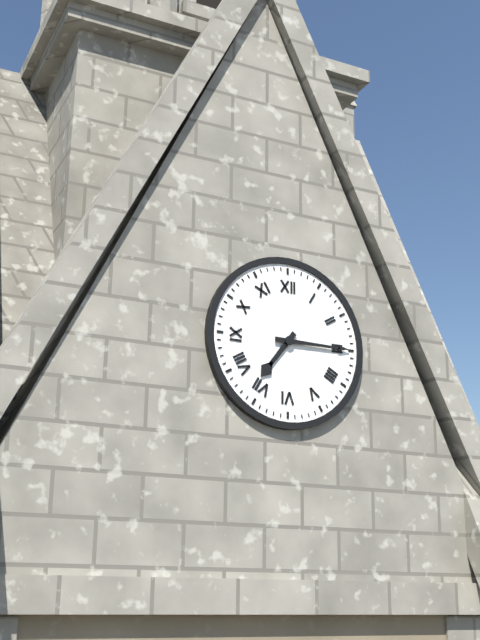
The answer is **7:15**
